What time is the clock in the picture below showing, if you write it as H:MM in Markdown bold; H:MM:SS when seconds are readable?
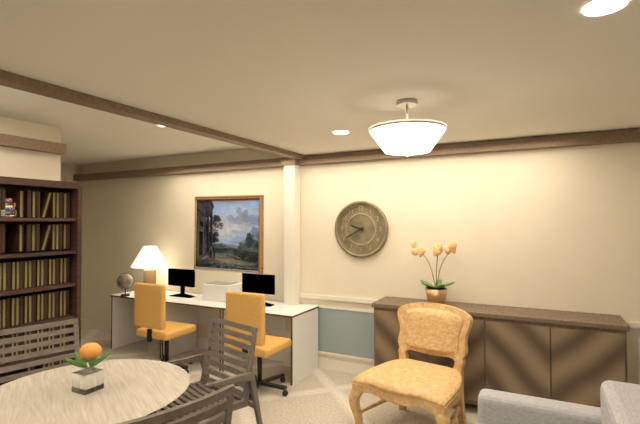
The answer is **9:40**
